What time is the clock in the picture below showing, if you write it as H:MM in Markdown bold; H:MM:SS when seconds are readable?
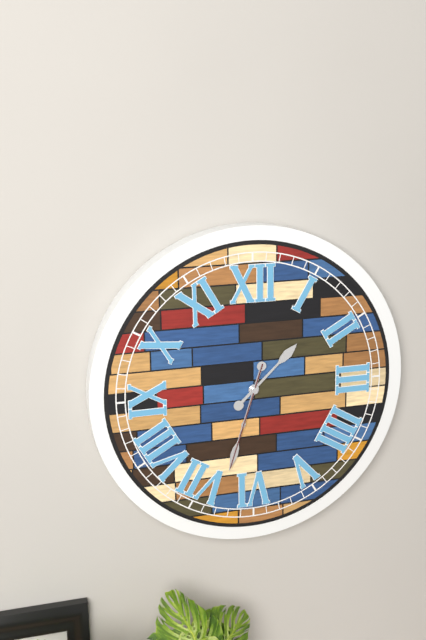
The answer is **1:33:33**
